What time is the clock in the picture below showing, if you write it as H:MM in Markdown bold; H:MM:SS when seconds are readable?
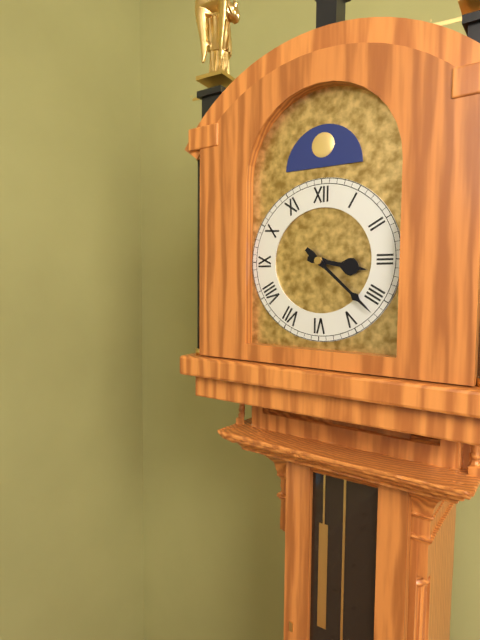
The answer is **3:22**
